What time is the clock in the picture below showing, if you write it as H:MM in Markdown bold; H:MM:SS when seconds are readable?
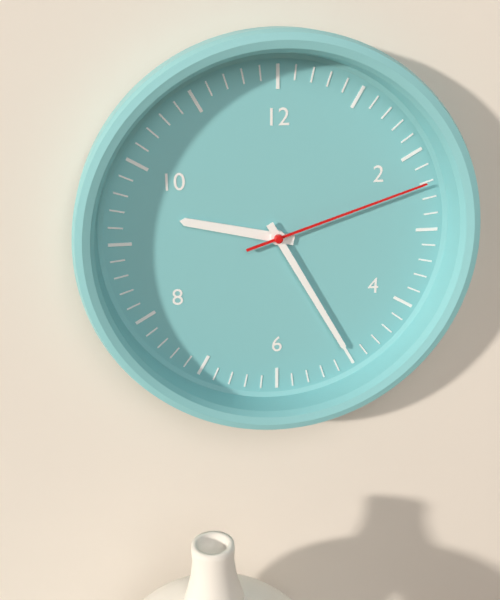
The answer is **9:25:12**
